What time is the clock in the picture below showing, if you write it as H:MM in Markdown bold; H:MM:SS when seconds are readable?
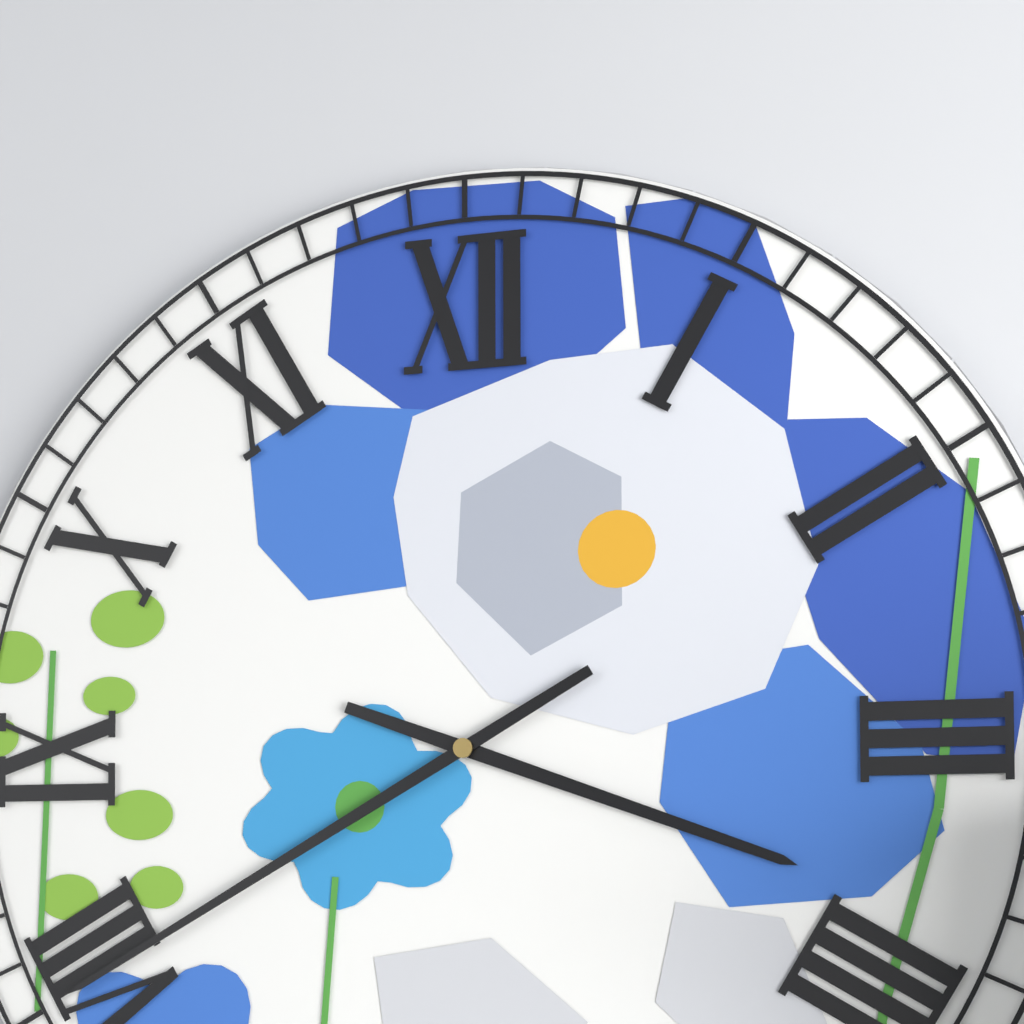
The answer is **3:40**
